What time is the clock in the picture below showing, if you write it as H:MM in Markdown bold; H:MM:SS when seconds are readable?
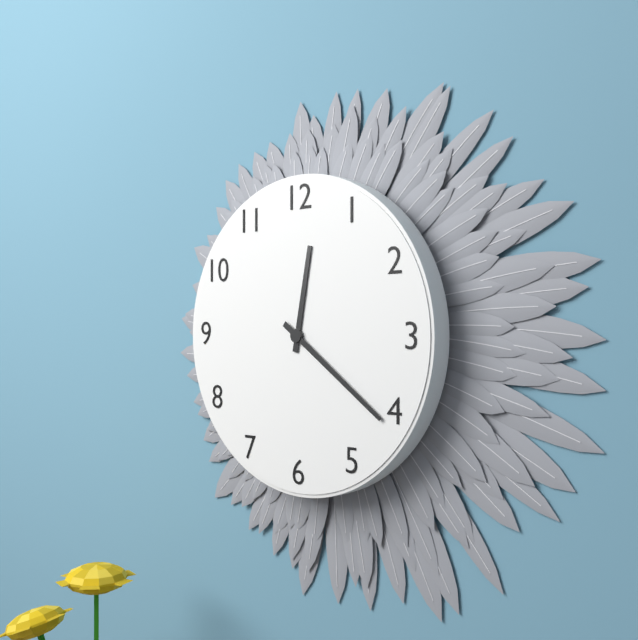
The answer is **12:21**
